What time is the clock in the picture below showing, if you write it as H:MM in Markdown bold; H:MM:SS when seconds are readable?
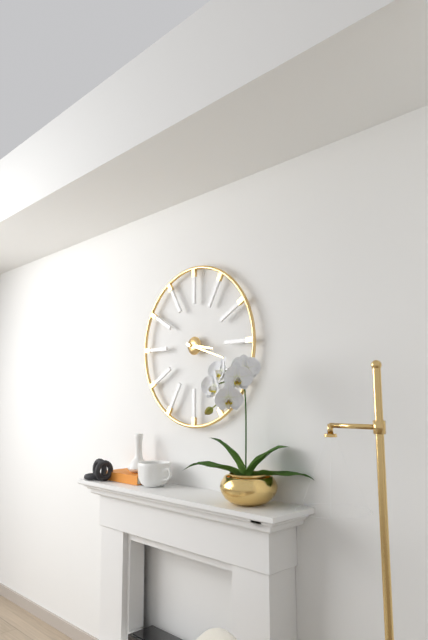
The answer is **3:18**
